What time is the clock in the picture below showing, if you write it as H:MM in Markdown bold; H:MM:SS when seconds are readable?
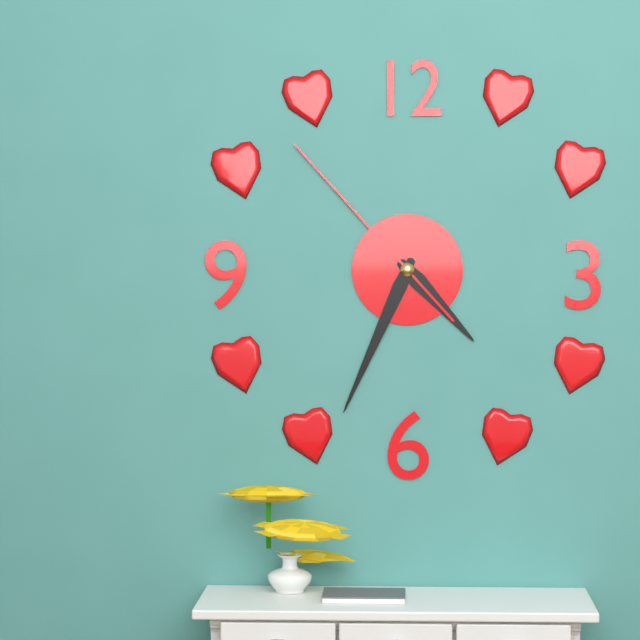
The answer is **4:34:53**
